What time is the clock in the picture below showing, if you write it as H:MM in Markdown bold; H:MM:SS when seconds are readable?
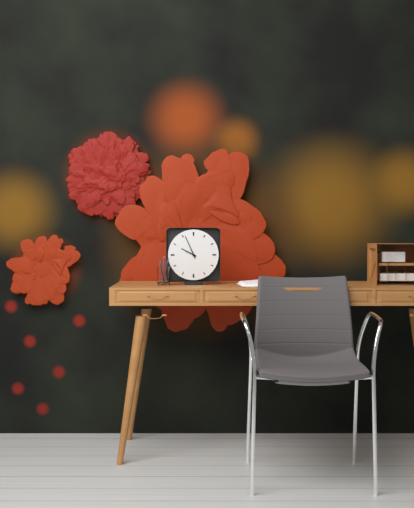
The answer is **9:56**
